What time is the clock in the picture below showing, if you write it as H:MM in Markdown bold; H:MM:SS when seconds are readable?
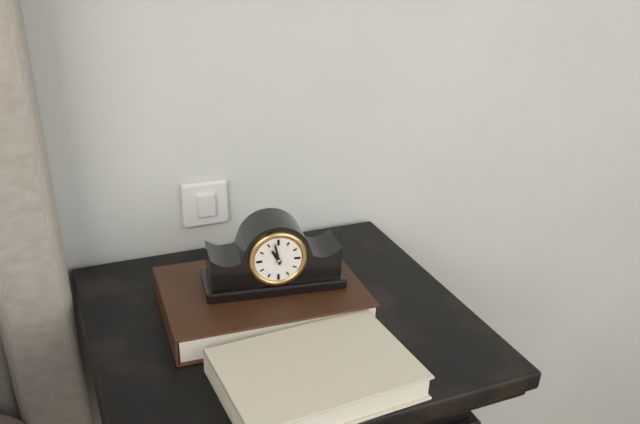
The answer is **10:58**
